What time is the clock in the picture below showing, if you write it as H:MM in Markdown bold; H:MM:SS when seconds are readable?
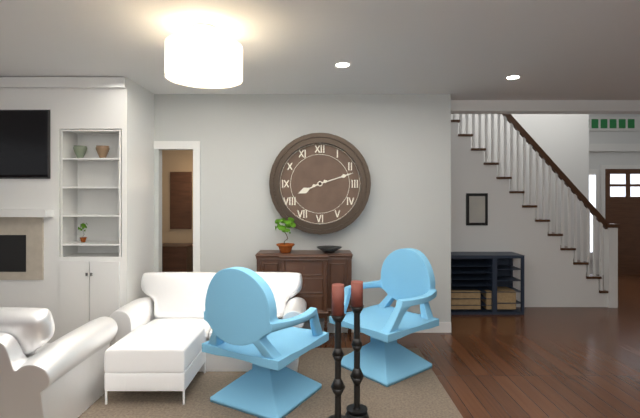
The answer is **8:12**
